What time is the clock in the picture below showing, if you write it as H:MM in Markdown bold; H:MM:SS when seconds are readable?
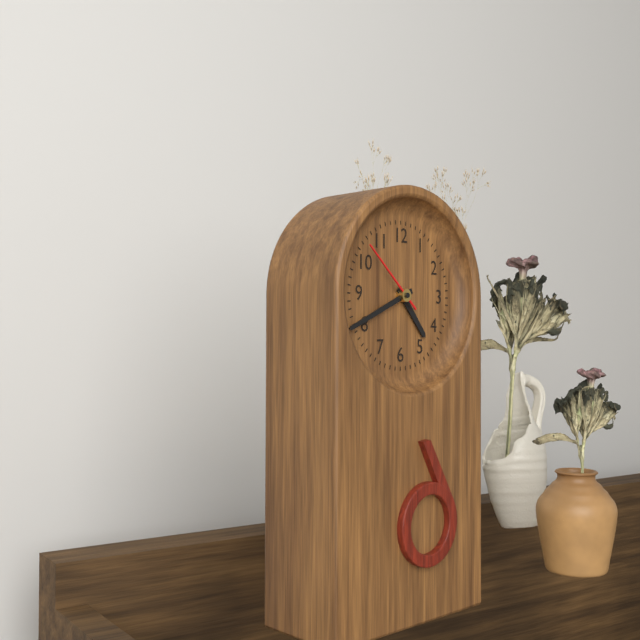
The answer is **4:41:52**
